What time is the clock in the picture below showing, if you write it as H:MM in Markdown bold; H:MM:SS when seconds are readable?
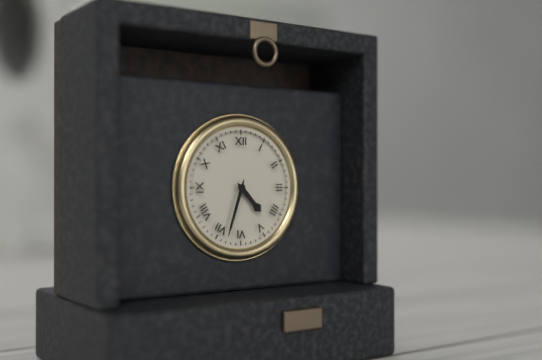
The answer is **4:33**
